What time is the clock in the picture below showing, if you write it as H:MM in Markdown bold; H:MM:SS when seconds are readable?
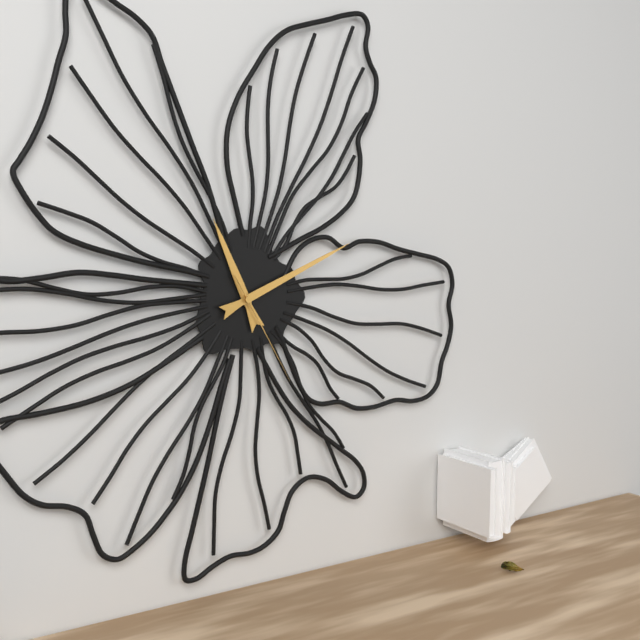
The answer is **11:11:25**
